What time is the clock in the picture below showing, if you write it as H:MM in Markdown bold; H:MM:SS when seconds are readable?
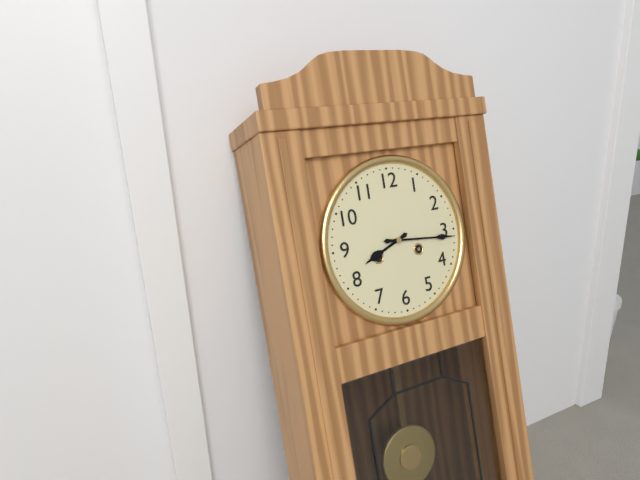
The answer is **8:16**
